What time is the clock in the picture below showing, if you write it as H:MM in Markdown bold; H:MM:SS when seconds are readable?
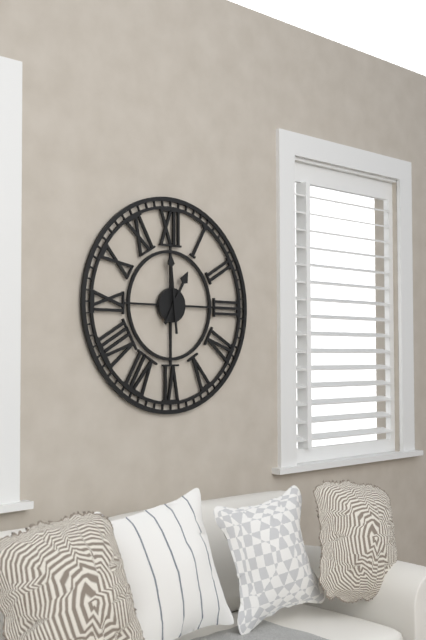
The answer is **12:59**
